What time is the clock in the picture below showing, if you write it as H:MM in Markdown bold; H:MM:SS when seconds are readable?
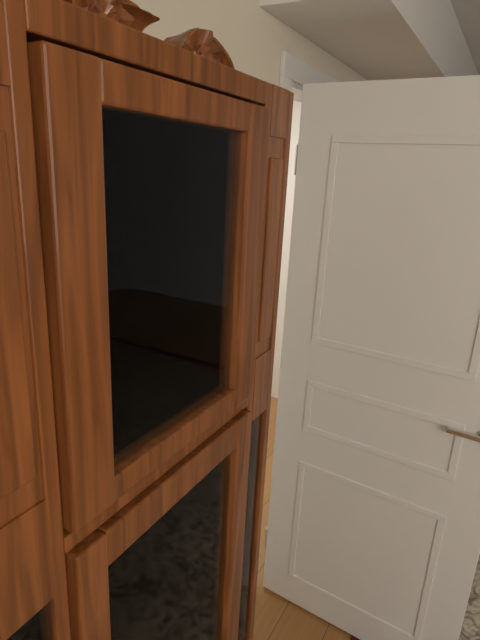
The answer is **6:03**
